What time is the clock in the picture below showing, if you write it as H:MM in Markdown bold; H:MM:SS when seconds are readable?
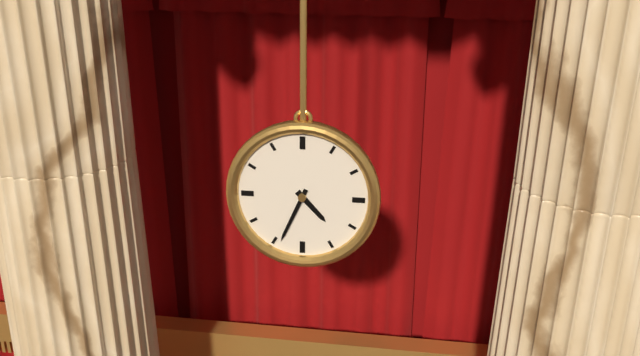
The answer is **4:34**
